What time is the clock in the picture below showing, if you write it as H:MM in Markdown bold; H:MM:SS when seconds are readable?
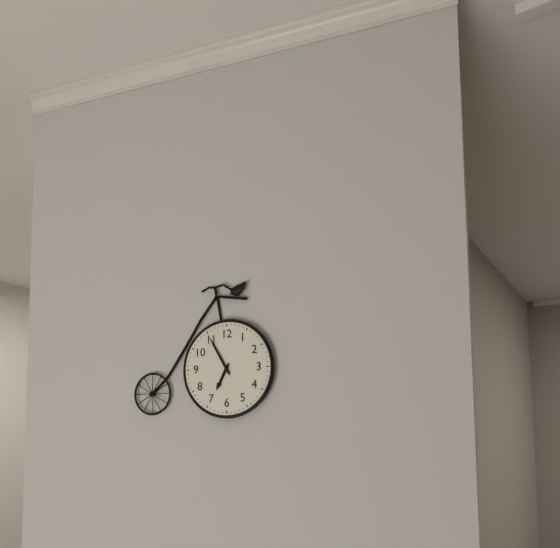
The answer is **6:55**
